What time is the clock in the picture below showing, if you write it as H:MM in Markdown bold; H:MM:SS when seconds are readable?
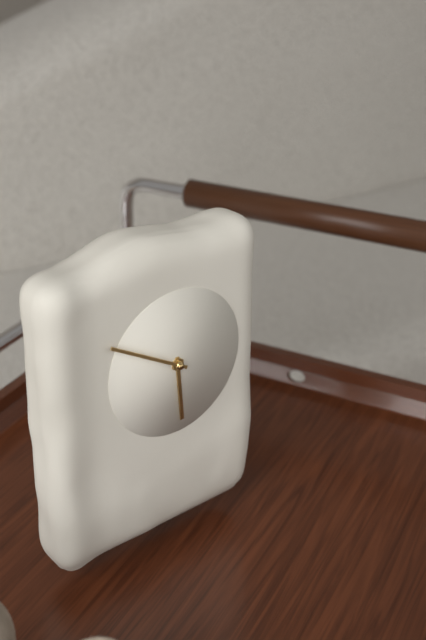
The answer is **5:50**
